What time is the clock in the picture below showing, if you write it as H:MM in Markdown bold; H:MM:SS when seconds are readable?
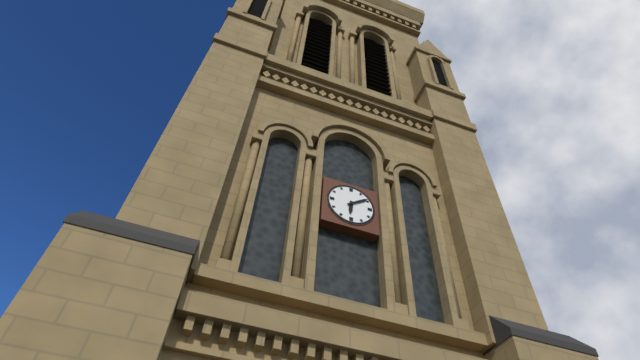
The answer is **6:09**
